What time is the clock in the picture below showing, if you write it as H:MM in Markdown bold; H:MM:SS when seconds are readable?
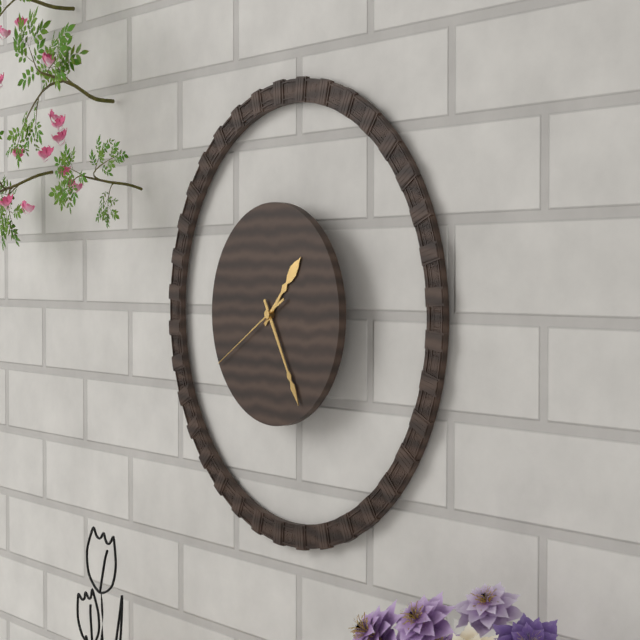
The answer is **1:25:40**
